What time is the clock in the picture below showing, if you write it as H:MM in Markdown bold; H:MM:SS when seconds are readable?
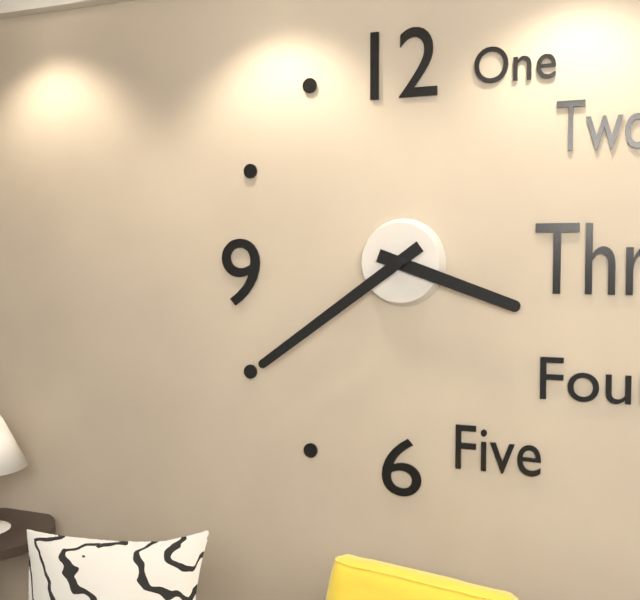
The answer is **3:39**
